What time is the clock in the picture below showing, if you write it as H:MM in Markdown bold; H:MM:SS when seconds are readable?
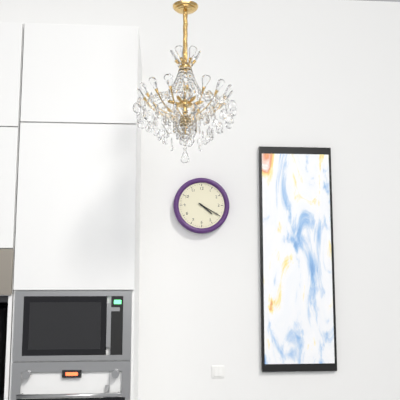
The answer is **4:20**
